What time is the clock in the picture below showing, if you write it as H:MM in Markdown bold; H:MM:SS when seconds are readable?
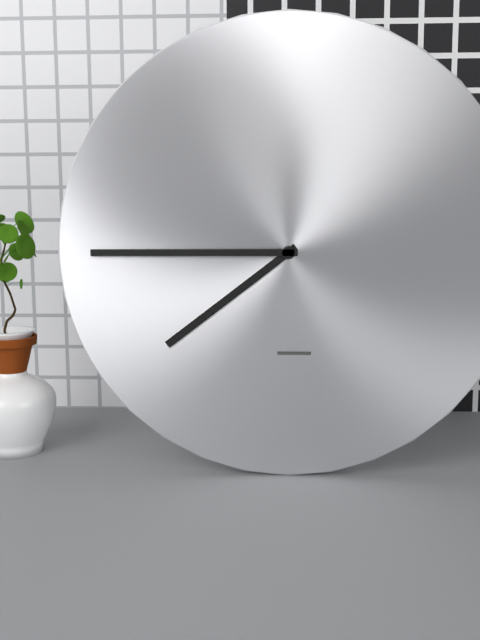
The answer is **7:45**
